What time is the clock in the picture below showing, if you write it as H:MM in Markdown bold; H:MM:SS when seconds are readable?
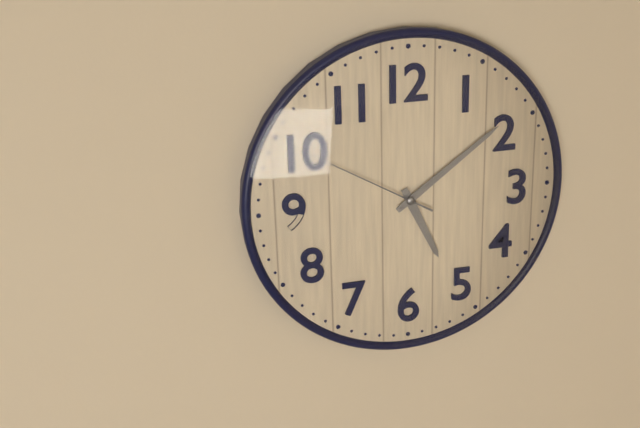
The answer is **5:09:50**
